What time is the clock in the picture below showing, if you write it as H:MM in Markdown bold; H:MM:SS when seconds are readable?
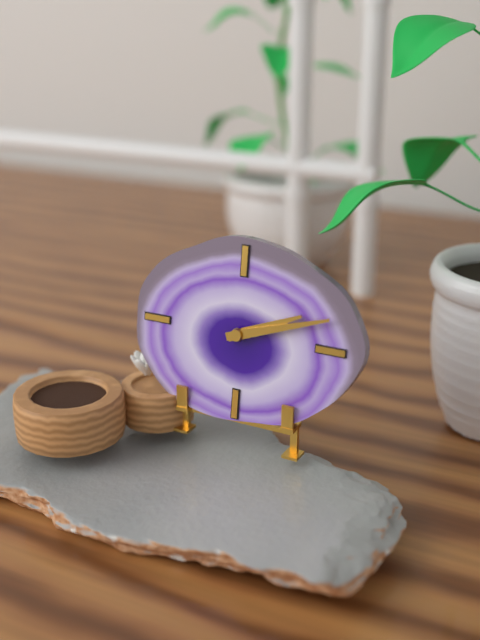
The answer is **2:12**
